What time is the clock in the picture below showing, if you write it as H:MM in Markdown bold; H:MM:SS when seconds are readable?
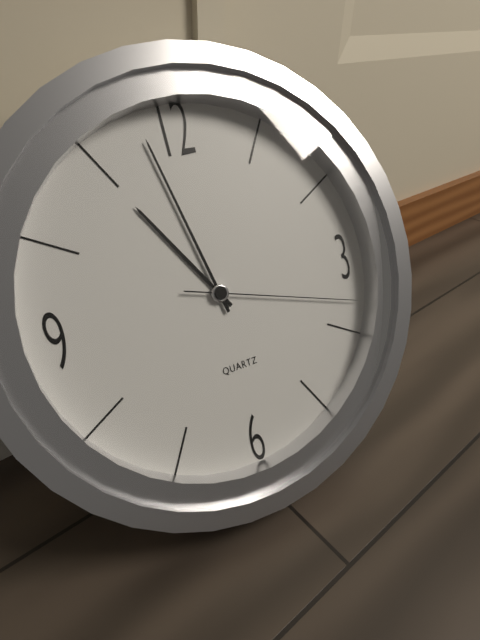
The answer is **10:58:18**
